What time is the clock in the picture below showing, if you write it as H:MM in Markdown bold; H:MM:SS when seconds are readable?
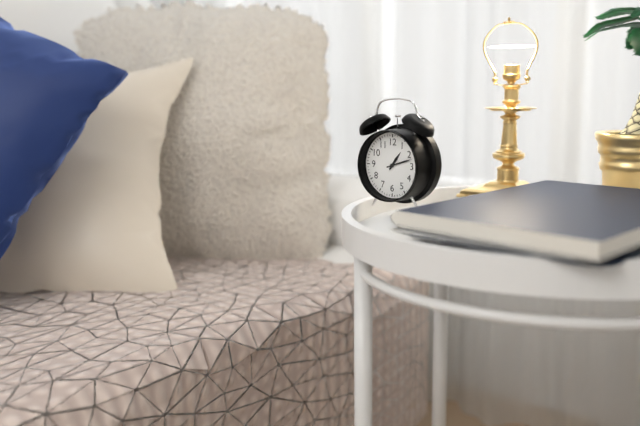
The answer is **1:12**
